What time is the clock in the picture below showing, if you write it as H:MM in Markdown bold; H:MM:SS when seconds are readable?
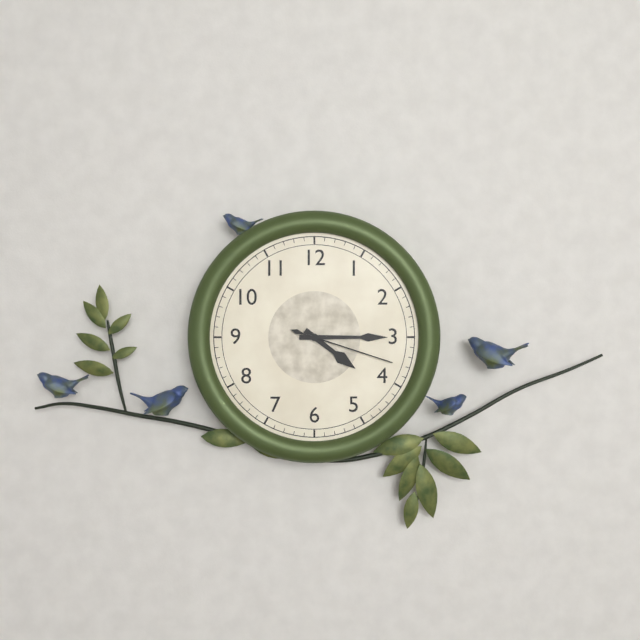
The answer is **4:15:18**
